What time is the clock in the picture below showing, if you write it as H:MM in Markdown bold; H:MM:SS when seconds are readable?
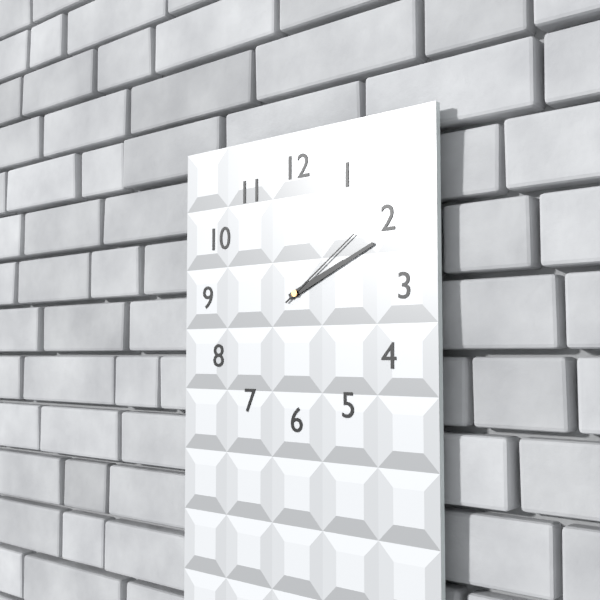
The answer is **2:11:09**
